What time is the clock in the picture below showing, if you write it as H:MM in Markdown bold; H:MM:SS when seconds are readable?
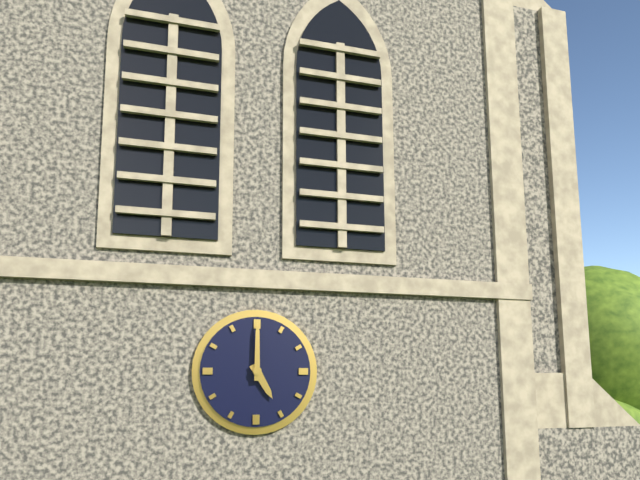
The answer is **5:00**
